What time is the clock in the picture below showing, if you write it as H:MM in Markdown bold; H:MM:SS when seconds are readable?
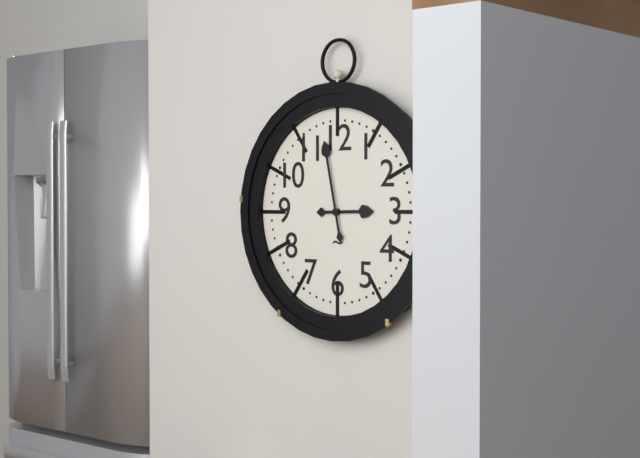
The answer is **2:58**
